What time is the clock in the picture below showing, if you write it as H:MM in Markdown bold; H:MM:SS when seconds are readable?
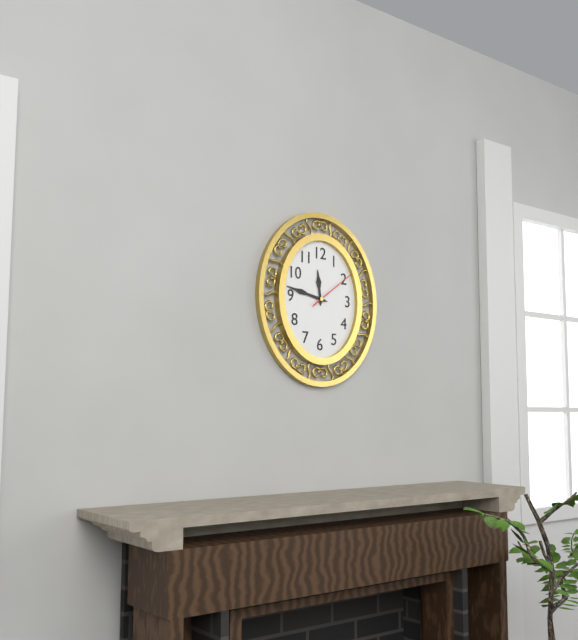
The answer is **11:47:09**
